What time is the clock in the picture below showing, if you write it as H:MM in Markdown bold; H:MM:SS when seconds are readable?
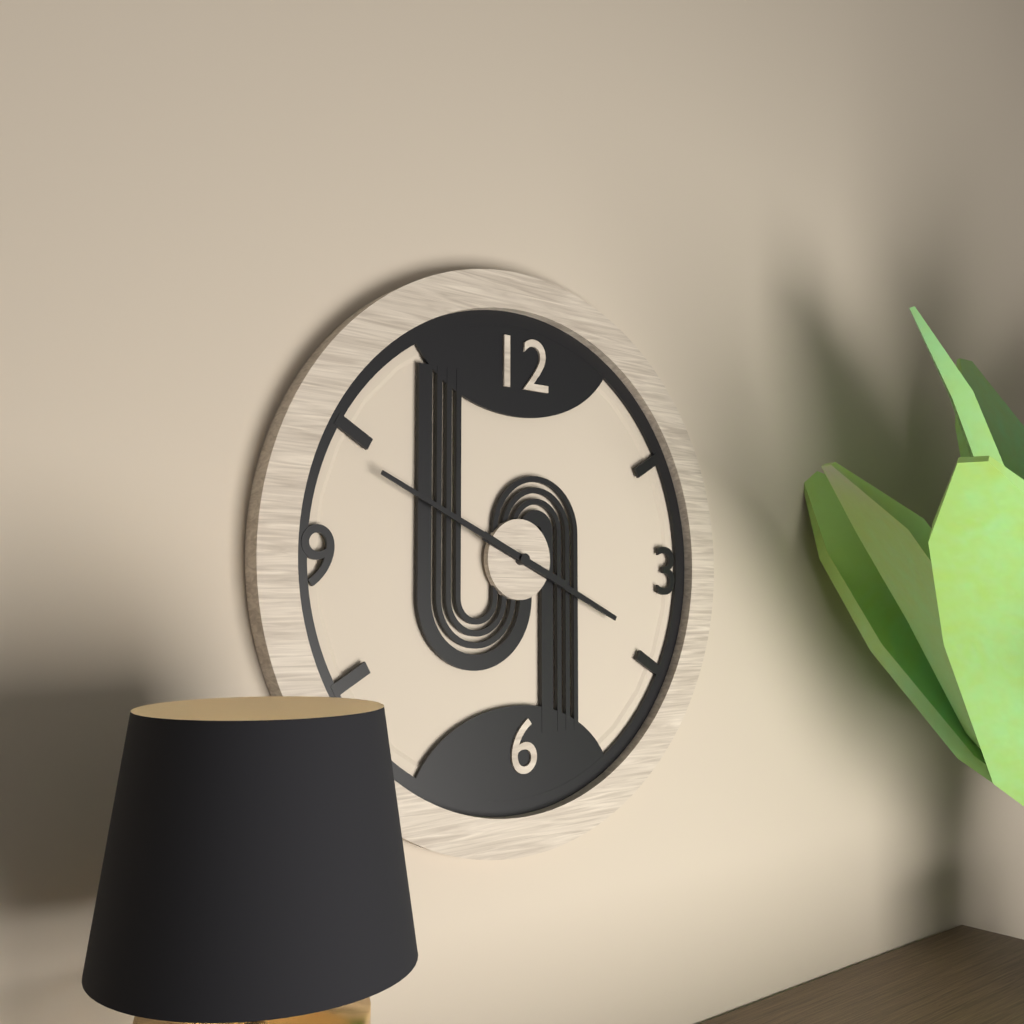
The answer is **3:49**
